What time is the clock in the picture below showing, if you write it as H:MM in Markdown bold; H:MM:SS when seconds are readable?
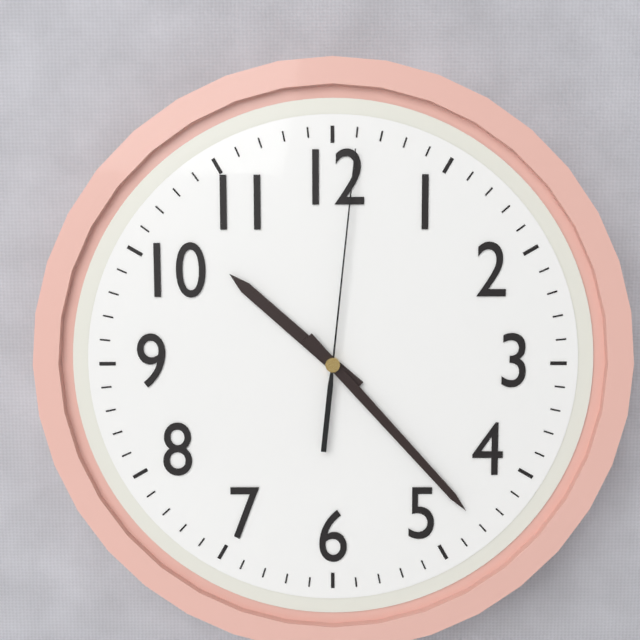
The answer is **10:23:01**
